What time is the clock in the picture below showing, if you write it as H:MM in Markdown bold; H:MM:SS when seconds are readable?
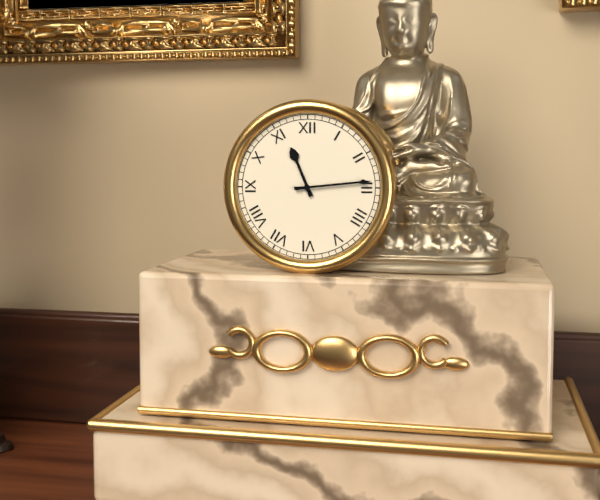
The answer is **11:14**
